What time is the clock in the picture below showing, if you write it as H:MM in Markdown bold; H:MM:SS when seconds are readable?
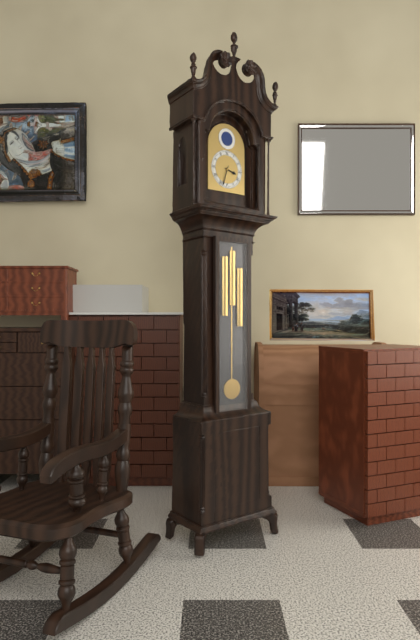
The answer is **3:33**
